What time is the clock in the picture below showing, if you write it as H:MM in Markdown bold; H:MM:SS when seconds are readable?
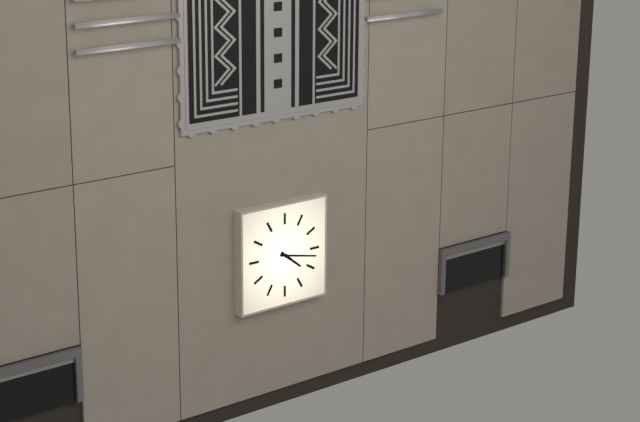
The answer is **4:17**
